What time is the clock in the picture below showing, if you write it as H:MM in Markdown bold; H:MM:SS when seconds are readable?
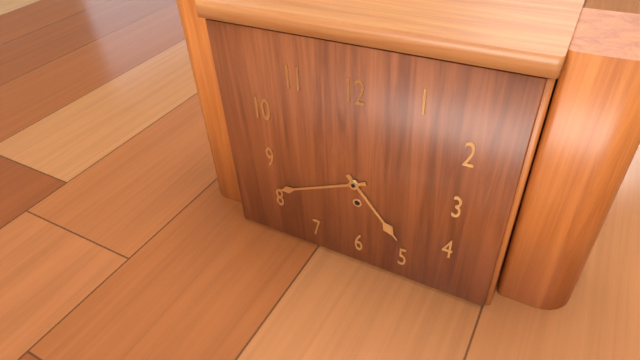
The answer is **4:41**
